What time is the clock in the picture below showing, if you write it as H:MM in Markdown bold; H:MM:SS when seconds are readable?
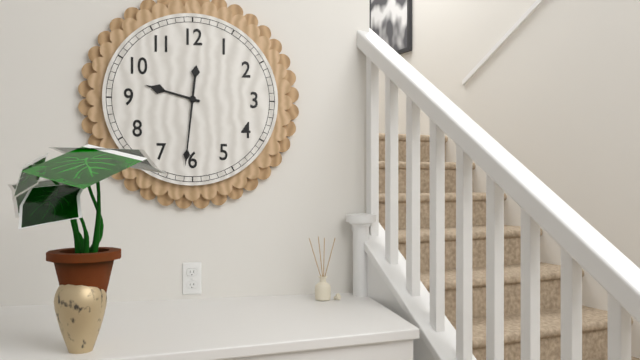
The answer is **9:31**
